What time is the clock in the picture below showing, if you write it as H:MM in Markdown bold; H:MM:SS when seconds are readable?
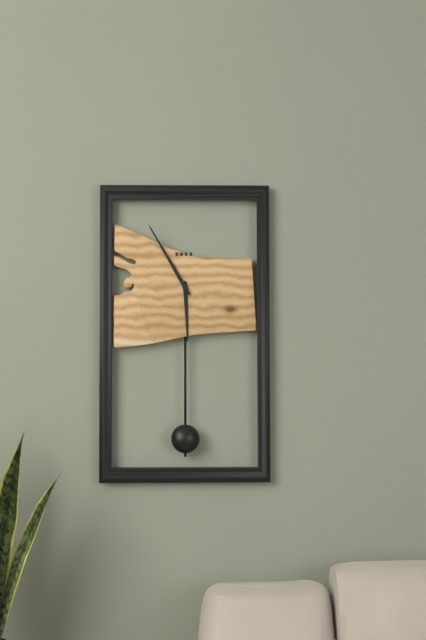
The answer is **5:55**
